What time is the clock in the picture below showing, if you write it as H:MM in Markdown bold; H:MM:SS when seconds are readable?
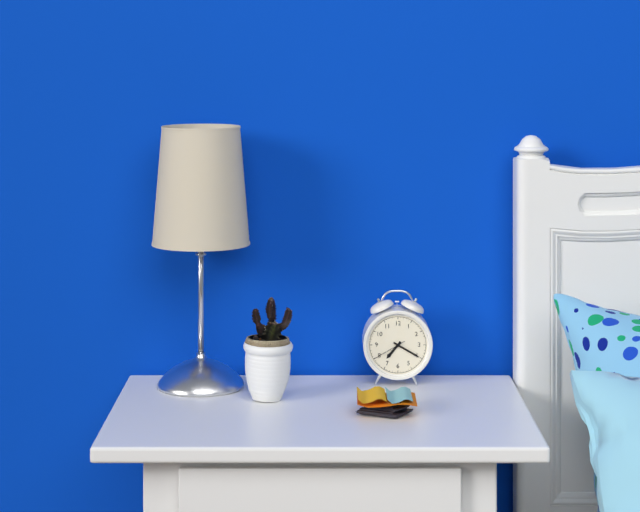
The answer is **7:20**
